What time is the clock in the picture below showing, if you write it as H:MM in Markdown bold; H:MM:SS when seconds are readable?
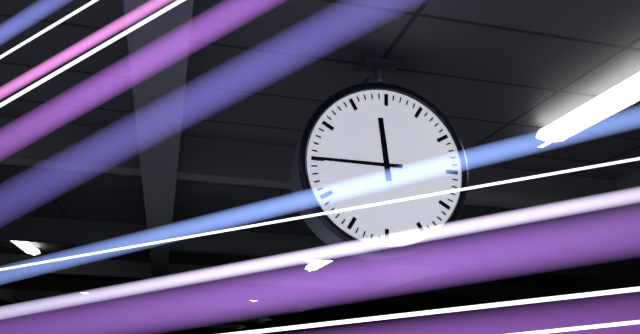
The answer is **11:45**
